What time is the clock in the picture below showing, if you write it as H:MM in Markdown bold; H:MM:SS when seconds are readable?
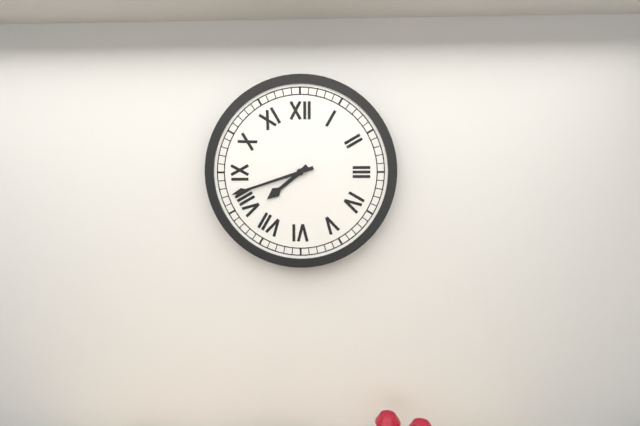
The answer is **7:42**
